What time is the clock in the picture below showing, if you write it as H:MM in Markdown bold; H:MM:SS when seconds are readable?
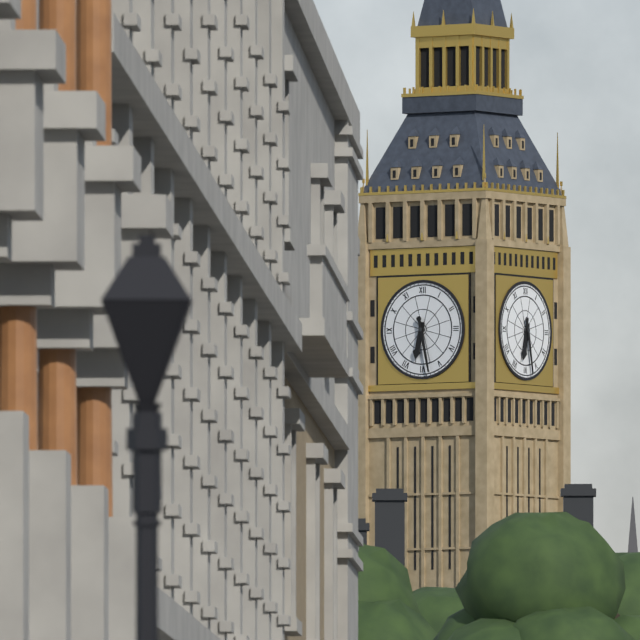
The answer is **6:28**
